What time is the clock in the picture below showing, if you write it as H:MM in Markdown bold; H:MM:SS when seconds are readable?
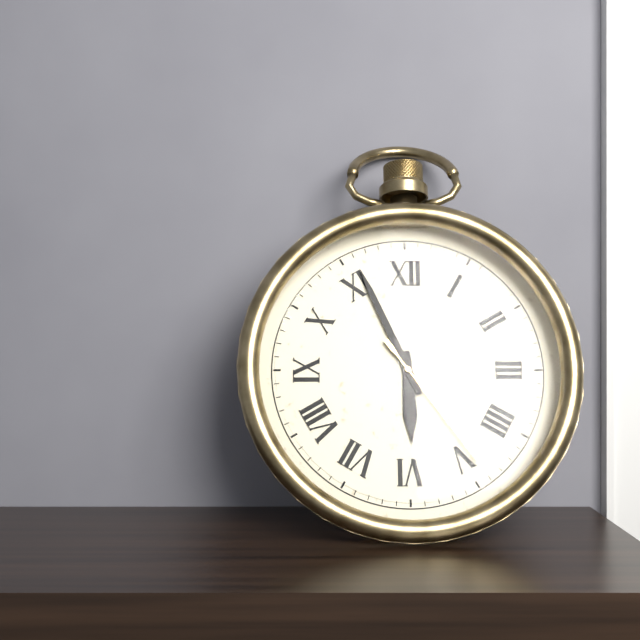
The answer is **5:56:24**
